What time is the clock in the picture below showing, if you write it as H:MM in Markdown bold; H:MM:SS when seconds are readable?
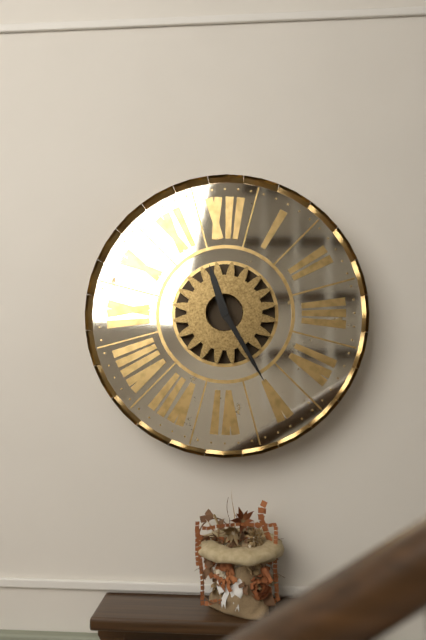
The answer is **11:25**
